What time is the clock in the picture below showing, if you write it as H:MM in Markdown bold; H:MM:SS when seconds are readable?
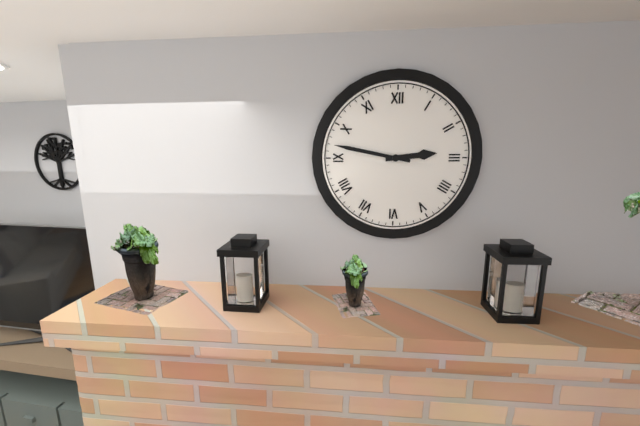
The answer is **2:47**
